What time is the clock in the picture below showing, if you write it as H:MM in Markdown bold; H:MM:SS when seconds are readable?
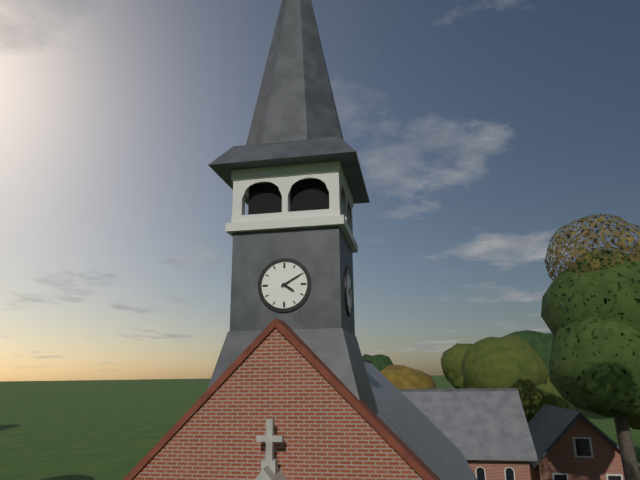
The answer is **4:10**
